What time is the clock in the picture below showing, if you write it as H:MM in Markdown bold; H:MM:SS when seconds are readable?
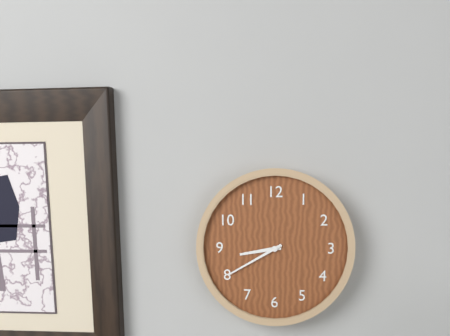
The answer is **8:40**
